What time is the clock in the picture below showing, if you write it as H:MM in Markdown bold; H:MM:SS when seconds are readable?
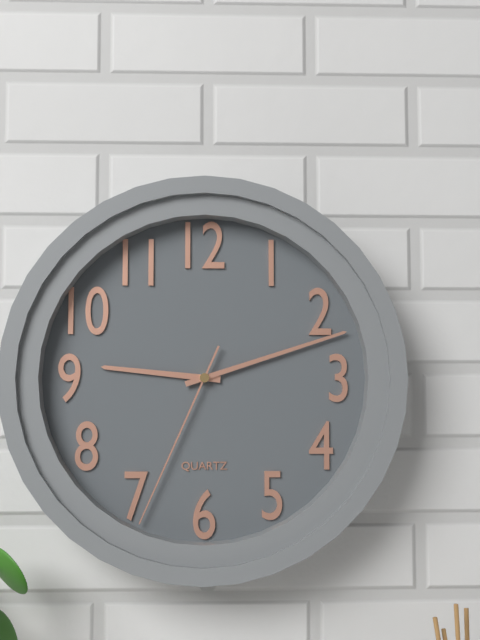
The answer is **9:12:34**
